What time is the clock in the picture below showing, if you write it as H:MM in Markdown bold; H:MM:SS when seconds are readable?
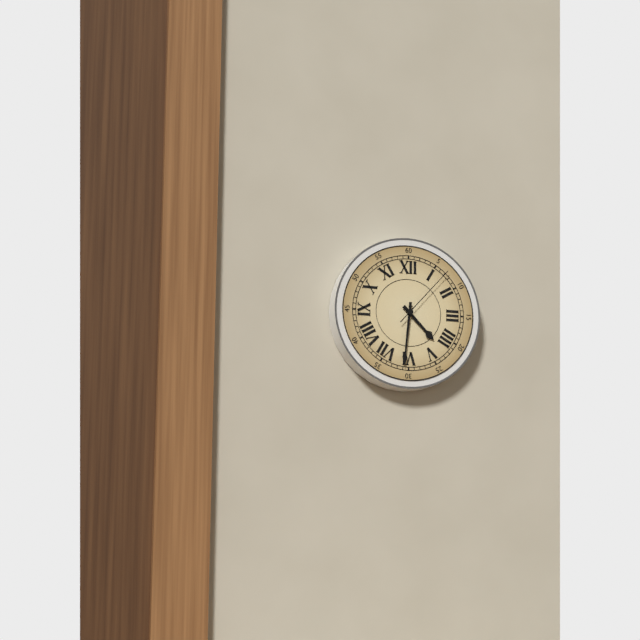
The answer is **4:31:07**
